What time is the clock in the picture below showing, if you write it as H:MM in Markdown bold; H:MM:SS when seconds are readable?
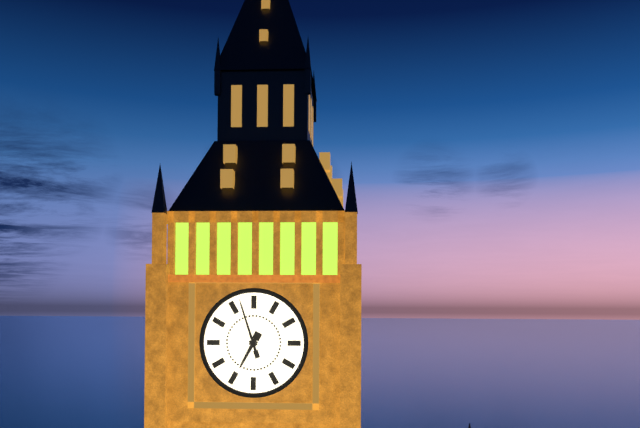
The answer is **6:57**
